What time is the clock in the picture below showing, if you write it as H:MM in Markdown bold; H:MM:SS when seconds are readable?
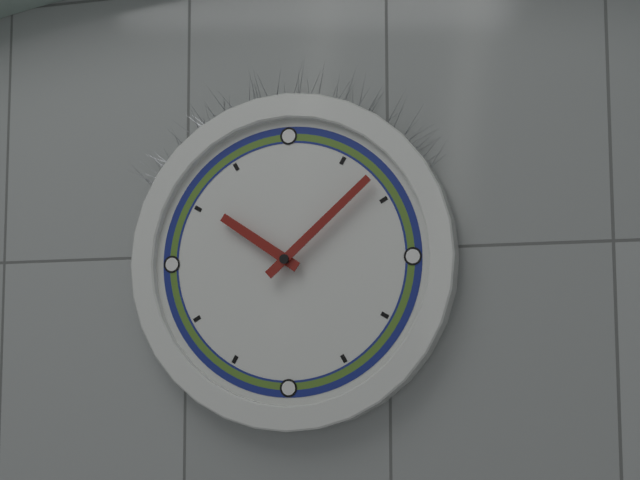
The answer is **10:08**
